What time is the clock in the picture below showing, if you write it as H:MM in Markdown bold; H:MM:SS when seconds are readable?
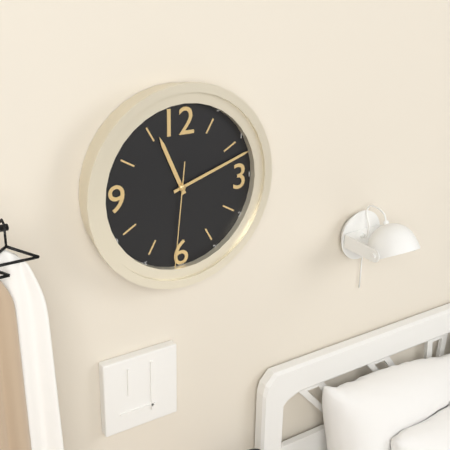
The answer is **11:12:31**
